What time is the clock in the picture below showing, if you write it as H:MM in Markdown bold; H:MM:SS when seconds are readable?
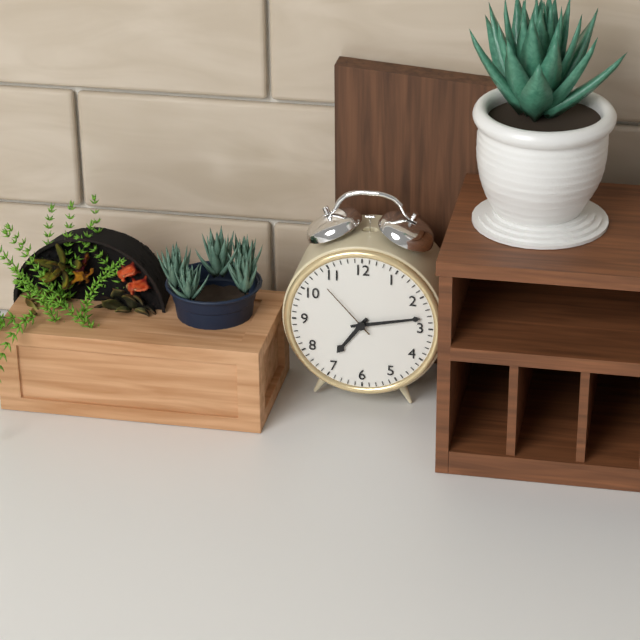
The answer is **7:13:53**
